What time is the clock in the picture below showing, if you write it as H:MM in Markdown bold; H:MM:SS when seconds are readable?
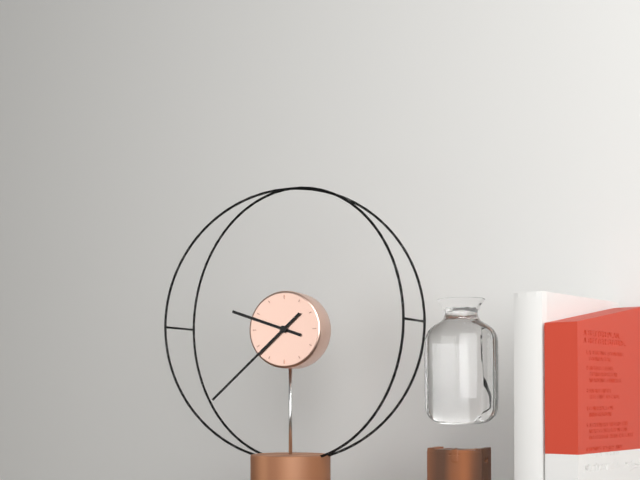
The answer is **9:38**
